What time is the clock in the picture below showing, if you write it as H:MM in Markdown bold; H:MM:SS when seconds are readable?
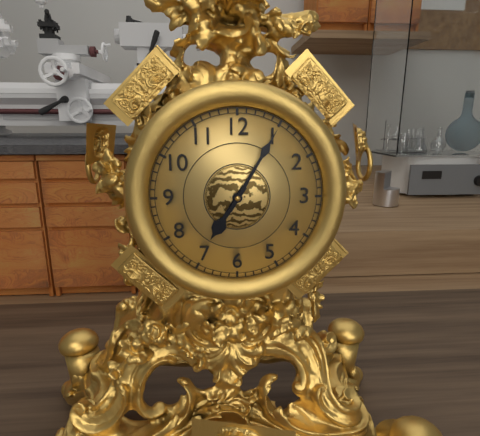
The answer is **7:05**
